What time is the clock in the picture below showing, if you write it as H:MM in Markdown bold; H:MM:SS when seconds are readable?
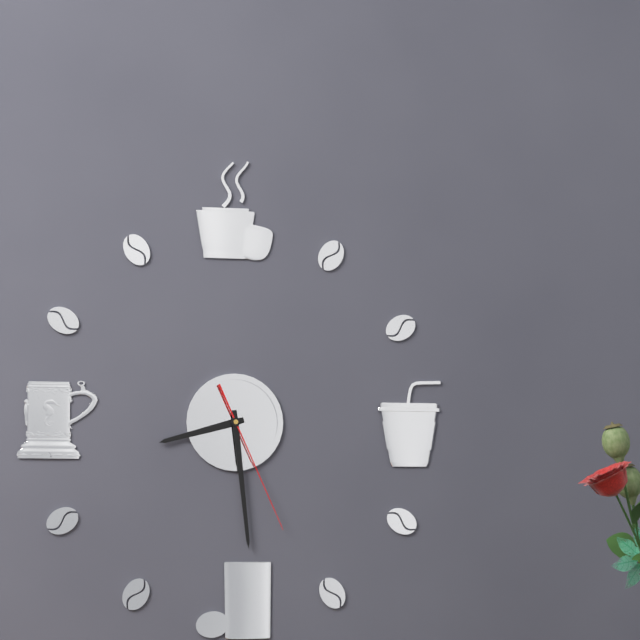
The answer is **8:29:26**
